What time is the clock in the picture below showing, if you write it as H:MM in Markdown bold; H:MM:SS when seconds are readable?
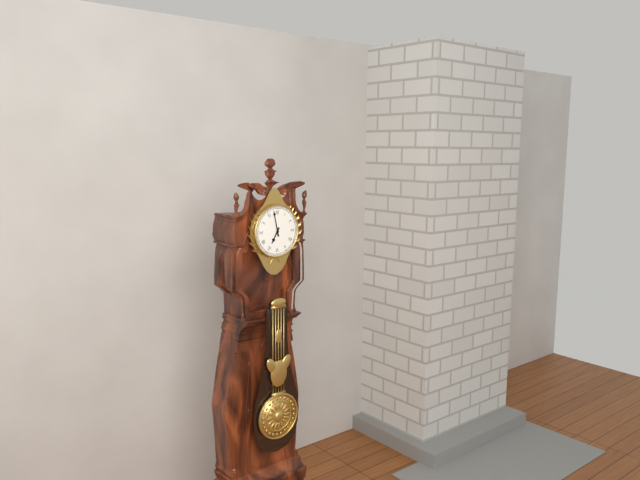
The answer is **6:58**
